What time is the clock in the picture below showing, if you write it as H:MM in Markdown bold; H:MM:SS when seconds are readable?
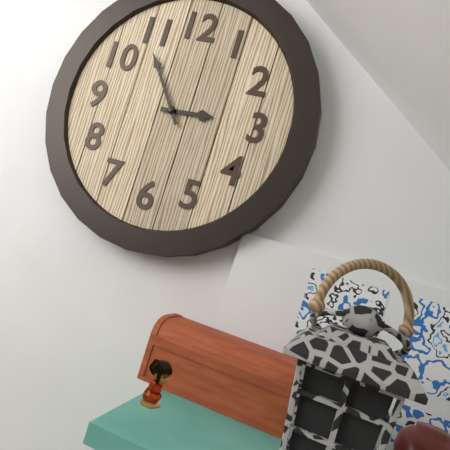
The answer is **2:54**
